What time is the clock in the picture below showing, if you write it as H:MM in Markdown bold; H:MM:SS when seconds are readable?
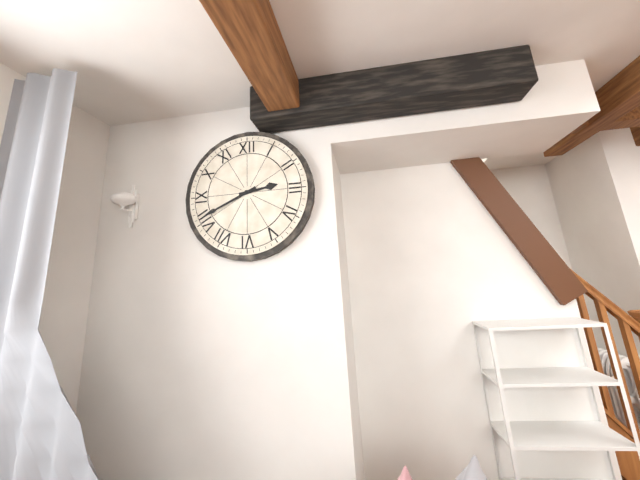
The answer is **2:41**
